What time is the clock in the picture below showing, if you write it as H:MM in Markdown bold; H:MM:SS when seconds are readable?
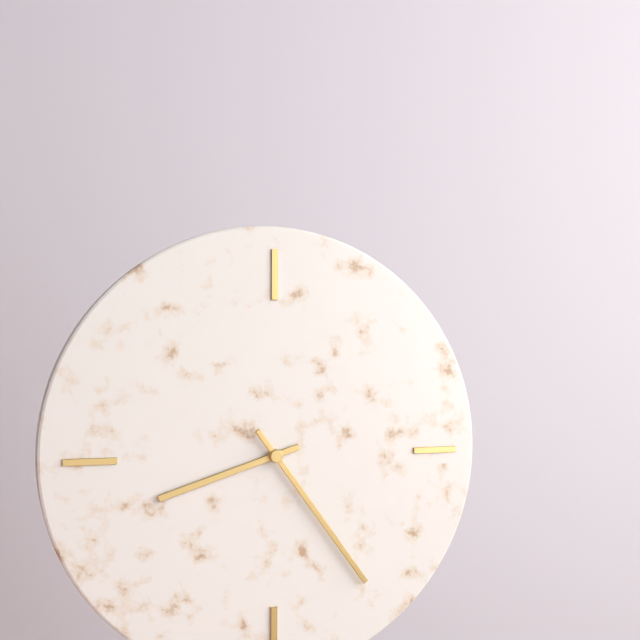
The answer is **8:24**
